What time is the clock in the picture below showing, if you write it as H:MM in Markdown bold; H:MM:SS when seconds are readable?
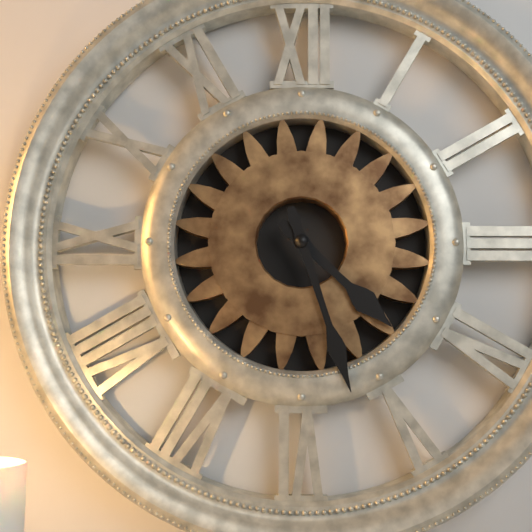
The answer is **4:27**
